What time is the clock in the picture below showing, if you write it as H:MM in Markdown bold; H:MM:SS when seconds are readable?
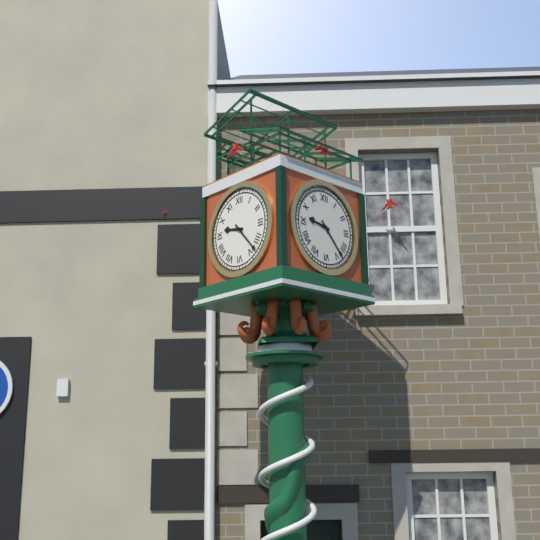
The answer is **9:23**
